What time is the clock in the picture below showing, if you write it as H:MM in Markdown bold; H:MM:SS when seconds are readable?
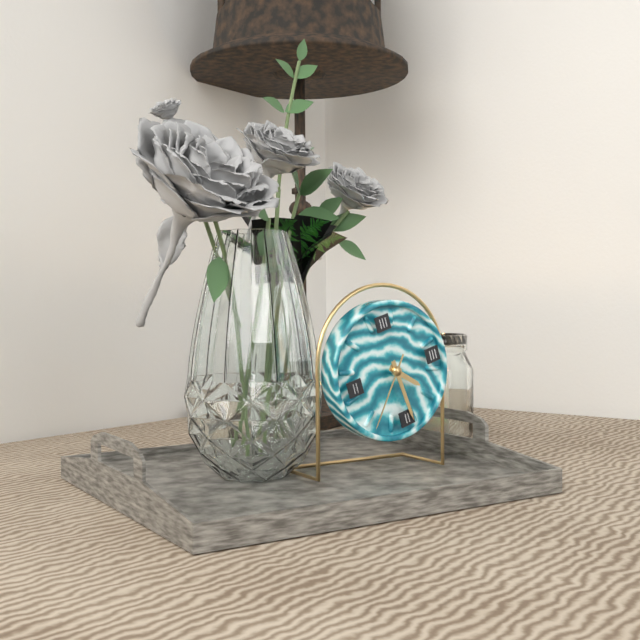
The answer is **4:29:37**
